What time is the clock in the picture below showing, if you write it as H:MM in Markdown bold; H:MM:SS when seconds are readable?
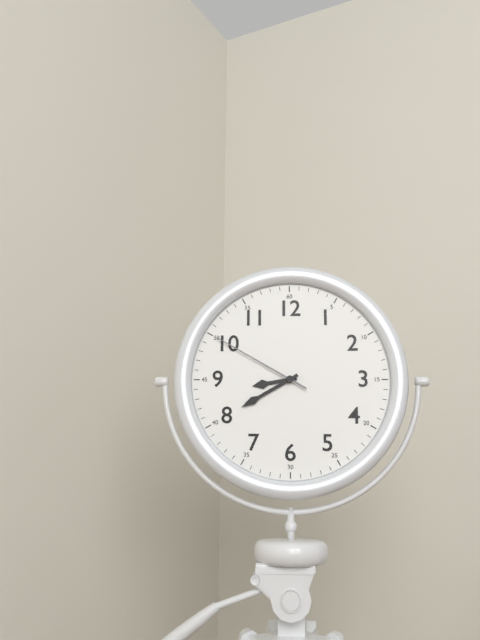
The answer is **8:40:50**
